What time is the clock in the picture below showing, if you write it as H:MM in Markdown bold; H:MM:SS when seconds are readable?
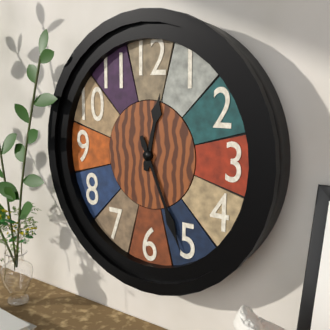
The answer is **12:26**
